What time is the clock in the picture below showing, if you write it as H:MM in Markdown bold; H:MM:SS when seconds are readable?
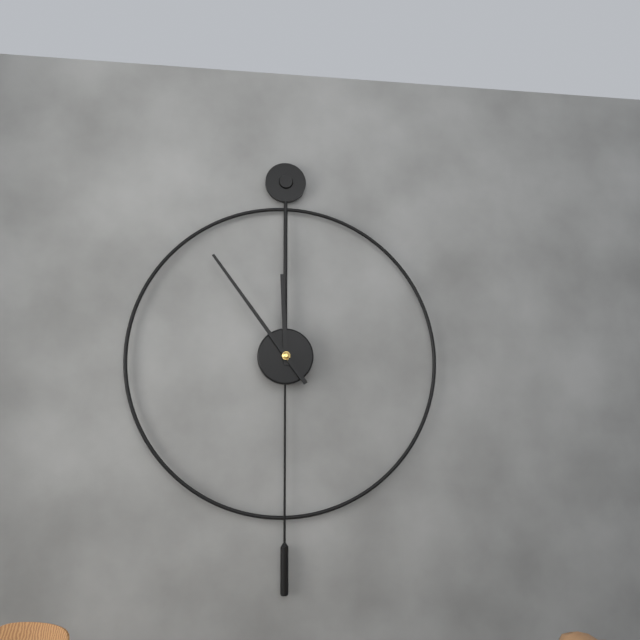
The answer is **11:54**
